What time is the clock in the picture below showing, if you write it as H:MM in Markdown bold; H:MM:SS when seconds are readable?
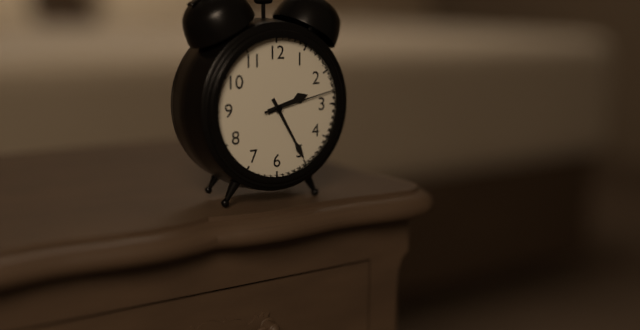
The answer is **2:25:13**
